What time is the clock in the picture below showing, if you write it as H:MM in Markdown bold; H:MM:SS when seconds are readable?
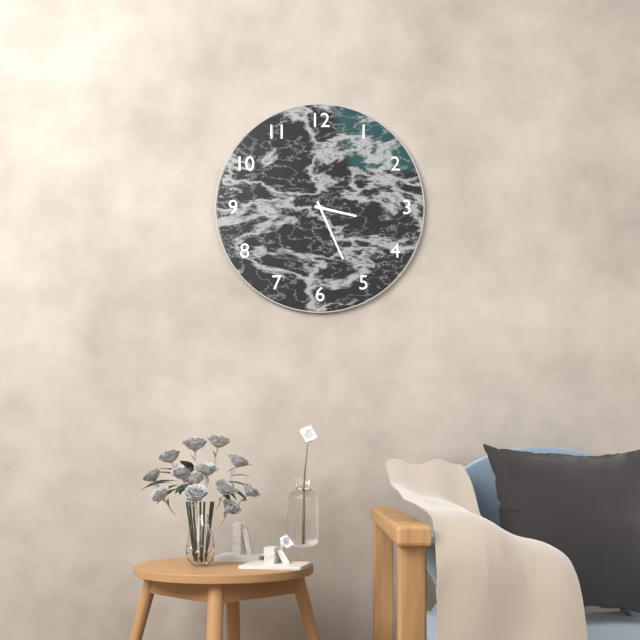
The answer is **3:26**
